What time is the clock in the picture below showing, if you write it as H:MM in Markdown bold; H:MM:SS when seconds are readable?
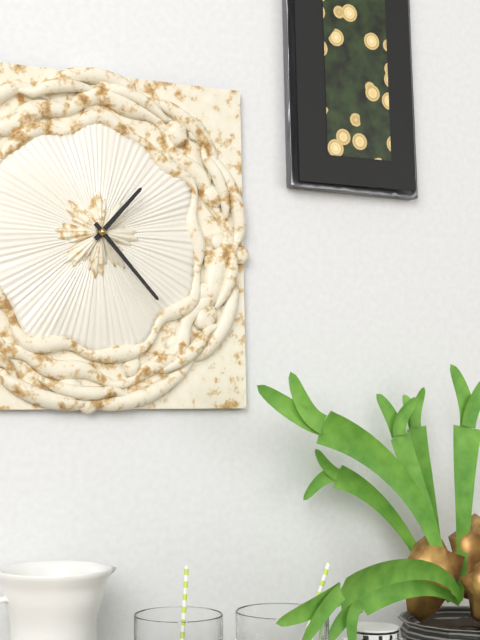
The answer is **1:23**
